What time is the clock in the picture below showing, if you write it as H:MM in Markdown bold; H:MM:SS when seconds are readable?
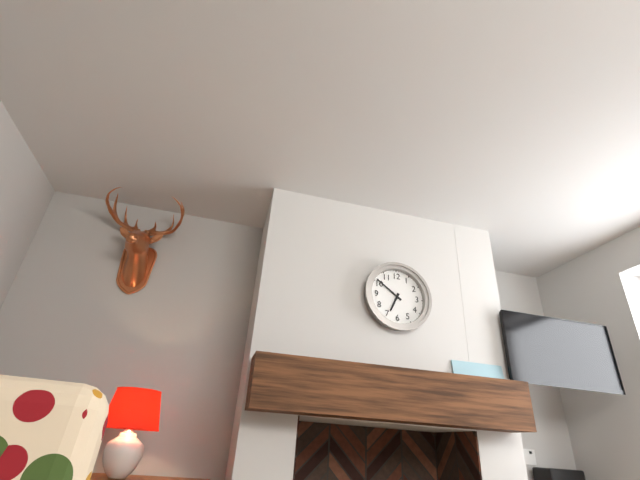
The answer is **6:51**
